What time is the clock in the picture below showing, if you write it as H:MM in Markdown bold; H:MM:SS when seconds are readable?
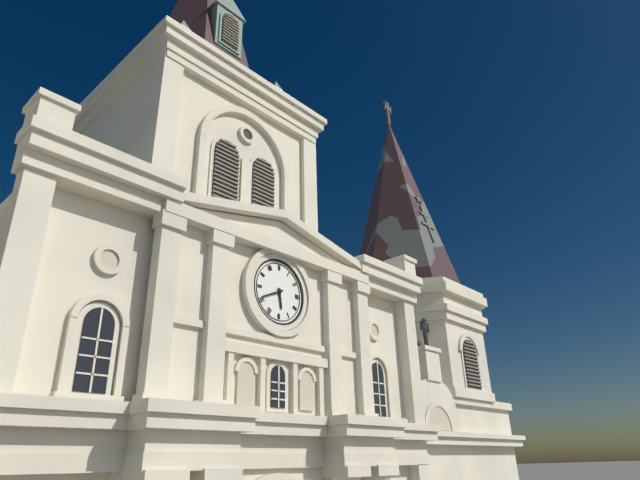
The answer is **5:41**
